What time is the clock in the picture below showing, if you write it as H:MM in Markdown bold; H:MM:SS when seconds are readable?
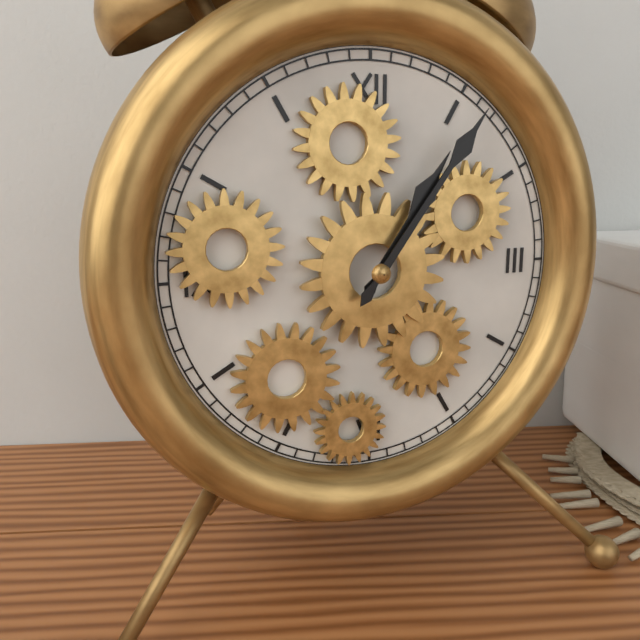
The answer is **1:06**
